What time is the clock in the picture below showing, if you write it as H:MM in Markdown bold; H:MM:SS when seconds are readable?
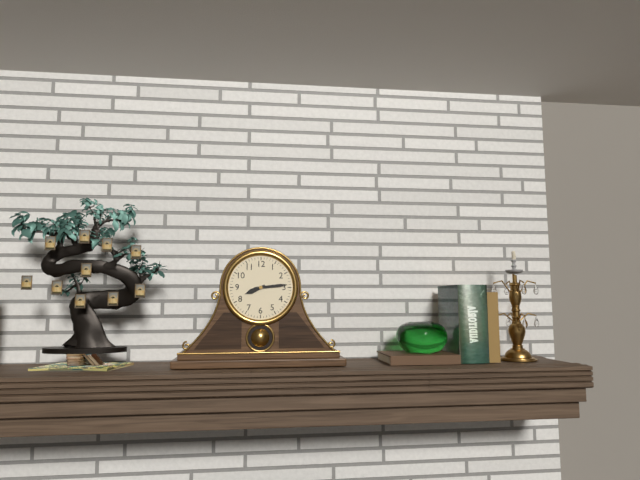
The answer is **8:14**
